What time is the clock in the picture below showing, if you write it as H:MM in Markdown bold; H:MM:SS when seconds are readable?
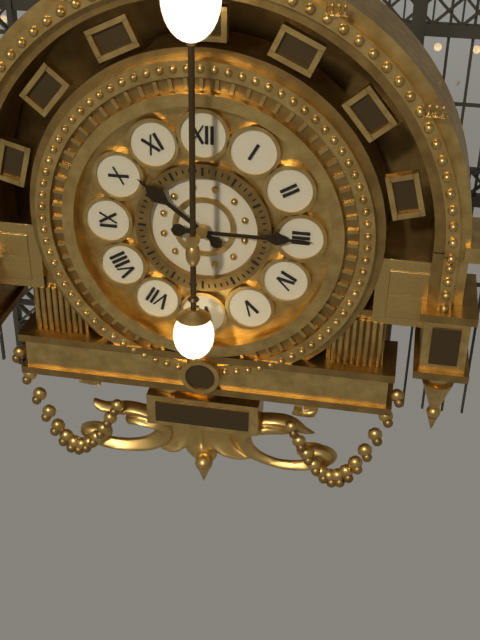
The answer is **10:15**
